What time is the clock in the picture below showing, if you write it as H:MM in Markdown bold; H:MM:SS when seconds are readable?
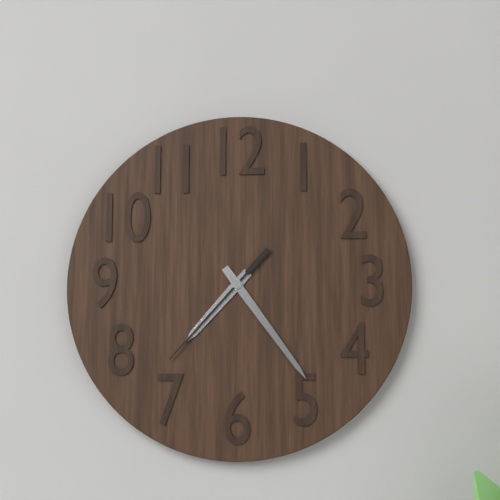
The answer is **7:24:37**
